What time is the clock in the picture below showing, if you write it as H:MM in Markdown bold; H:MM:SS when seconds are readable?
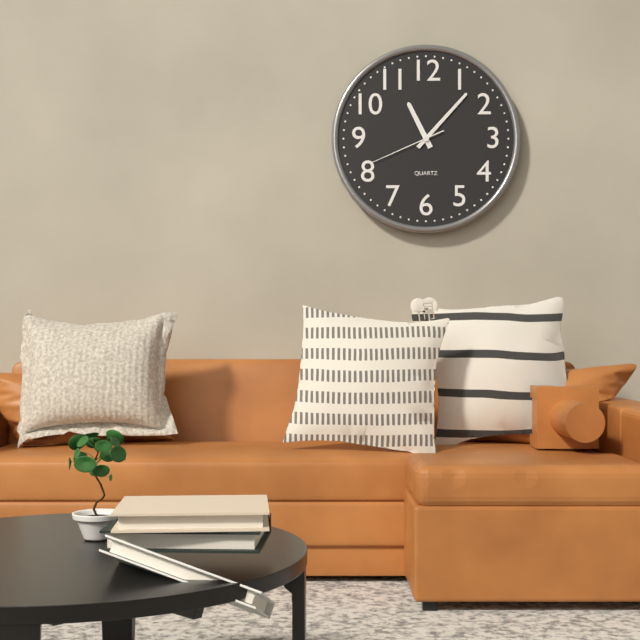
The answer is **11:07:41**
